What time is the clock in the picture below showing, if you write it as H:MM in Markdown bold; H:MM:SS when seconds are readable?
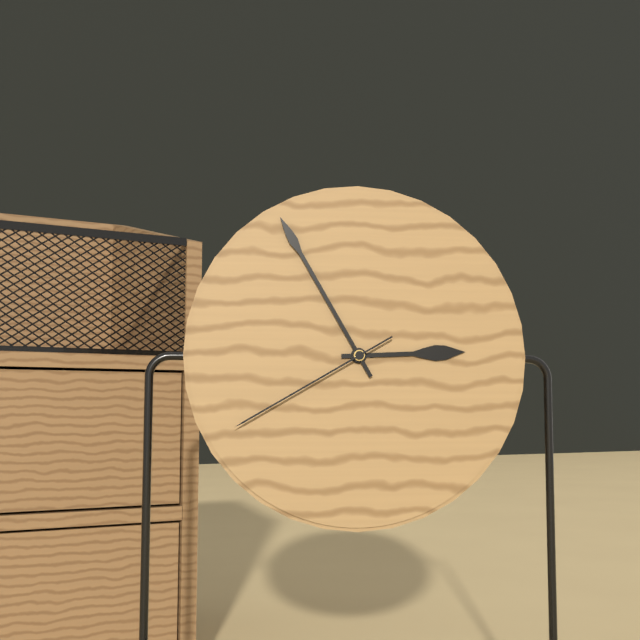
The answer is **2:55:40**
